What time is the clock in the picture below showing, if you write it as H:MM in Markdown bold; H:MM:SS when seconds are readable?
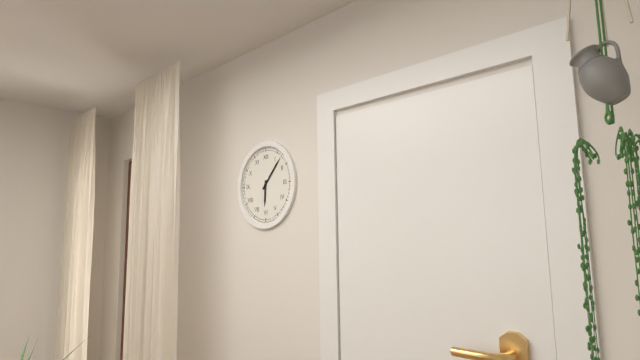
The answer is **6:07**
